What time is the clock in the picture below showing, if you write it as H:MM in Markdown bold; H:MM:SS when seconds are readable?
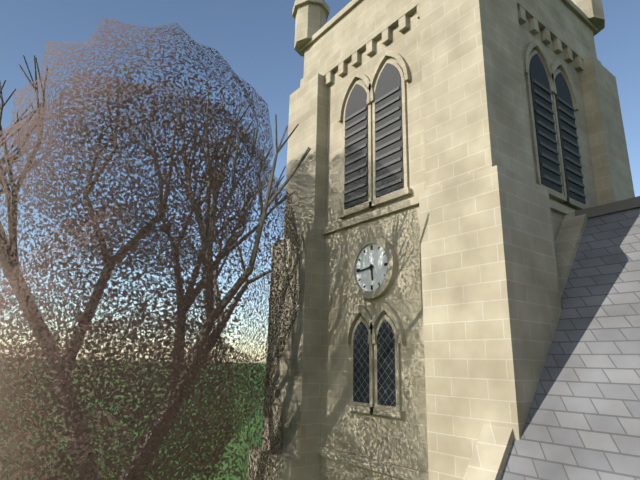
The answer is **5:44**
